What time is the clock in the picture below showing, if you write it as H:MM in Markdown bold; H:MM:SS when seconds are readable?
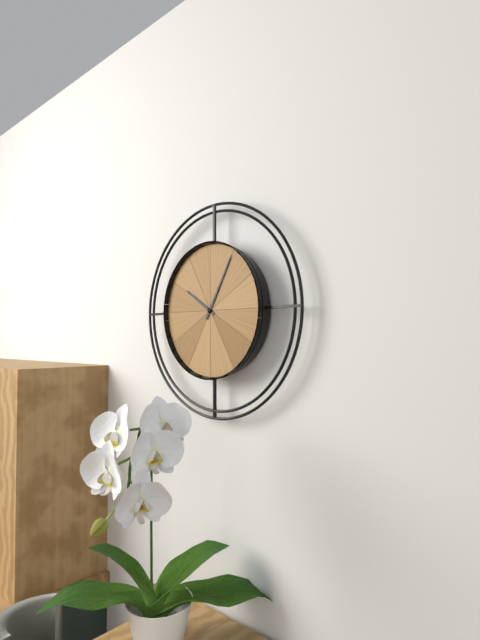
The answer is **10:05**
